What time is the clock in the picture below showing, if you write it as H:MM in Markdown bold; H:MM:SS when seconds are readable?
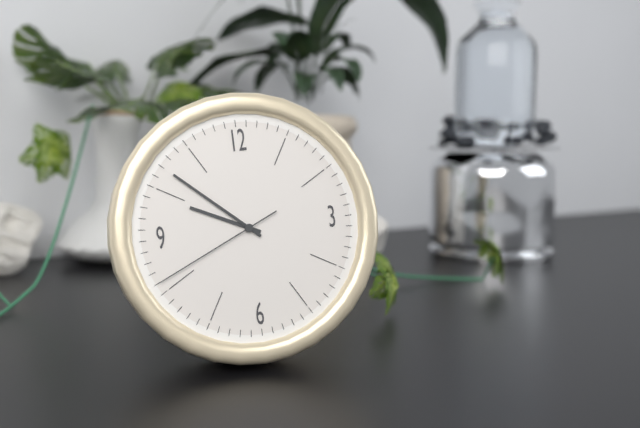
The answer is **9:52:41**
